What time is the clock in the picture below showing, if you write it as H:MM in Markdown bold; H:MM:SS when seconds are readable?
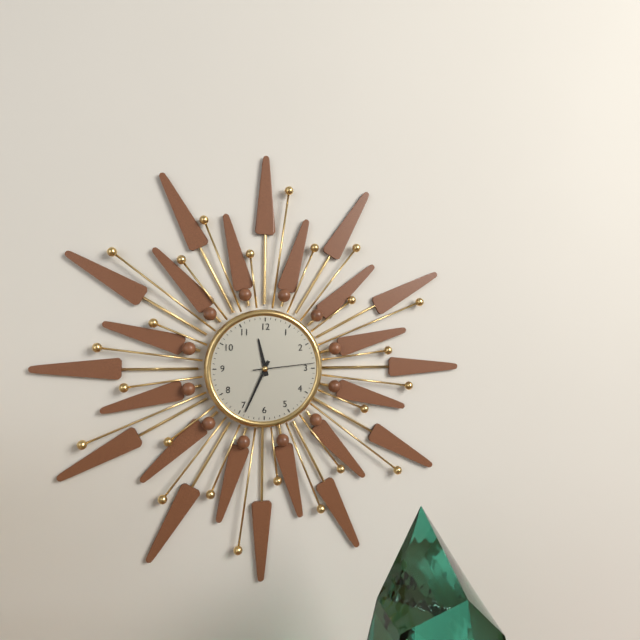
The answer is **11:34:14**
